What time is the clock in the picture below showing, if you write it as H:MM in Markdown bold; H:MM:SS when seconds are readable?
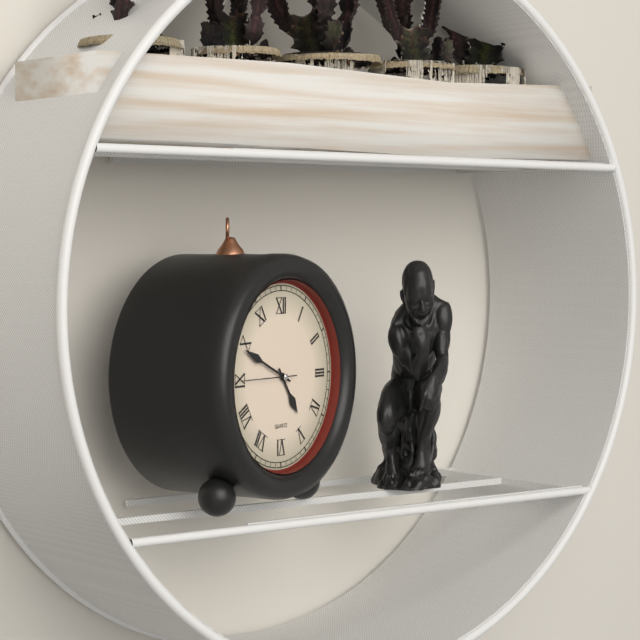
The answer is **4:49**
